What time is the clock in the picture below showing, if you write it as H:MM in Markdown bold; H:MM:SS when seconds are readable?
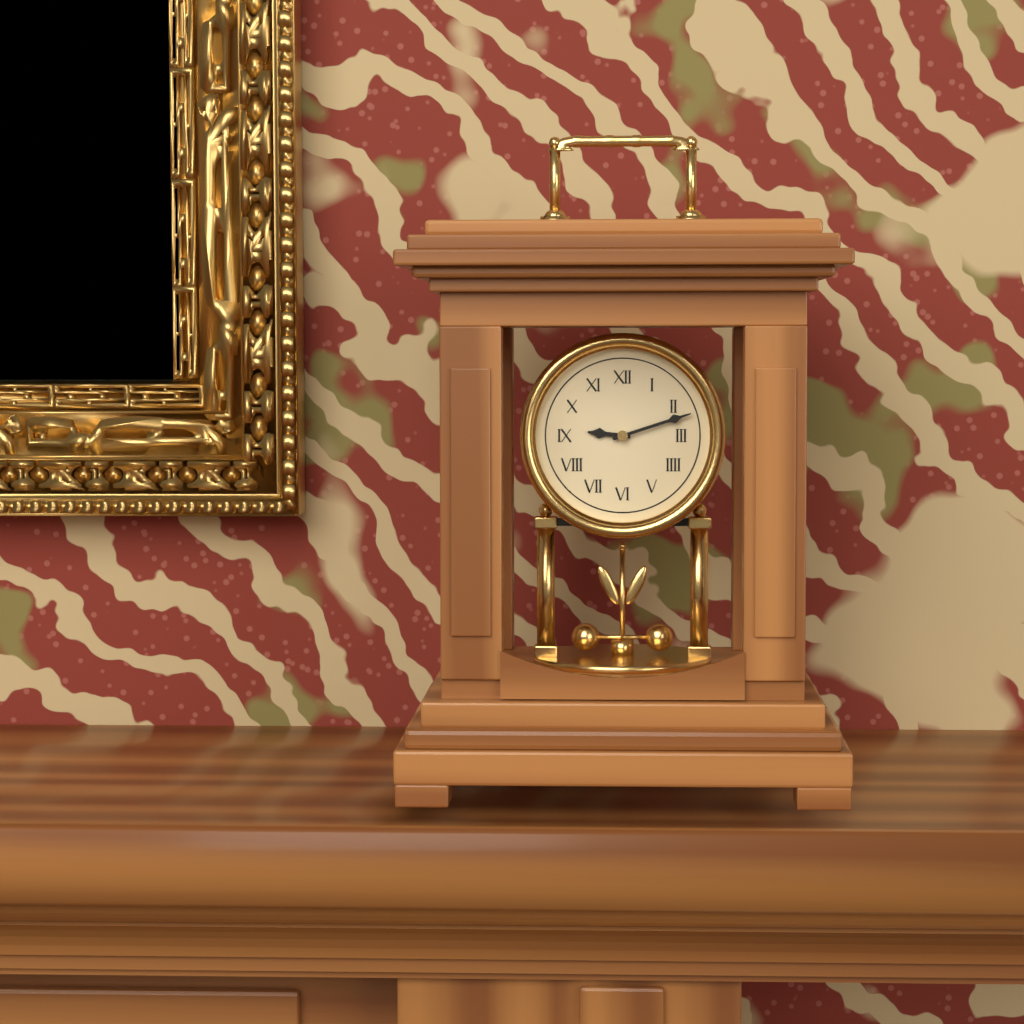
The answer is **9:12**
